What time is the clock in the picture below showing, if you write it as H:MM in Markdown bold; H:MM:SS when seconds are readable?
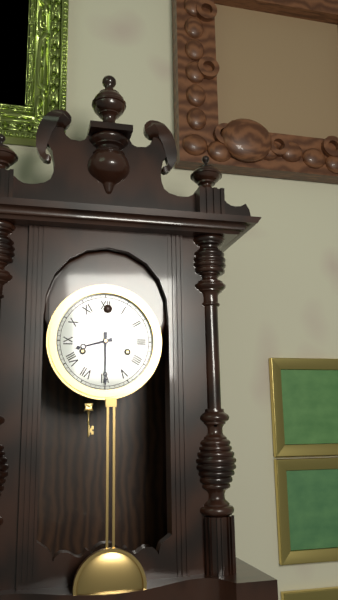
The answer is **8:30**
